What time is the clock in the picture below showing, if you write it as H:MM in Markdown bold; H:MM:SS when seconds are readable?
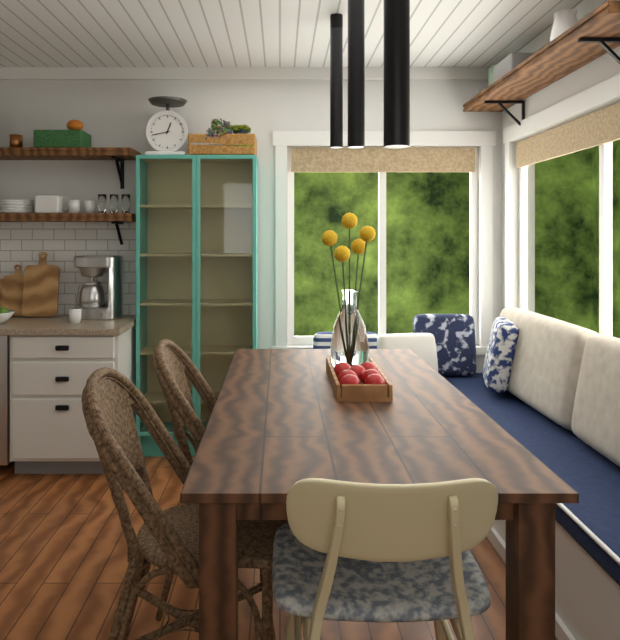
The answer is **12:43**
